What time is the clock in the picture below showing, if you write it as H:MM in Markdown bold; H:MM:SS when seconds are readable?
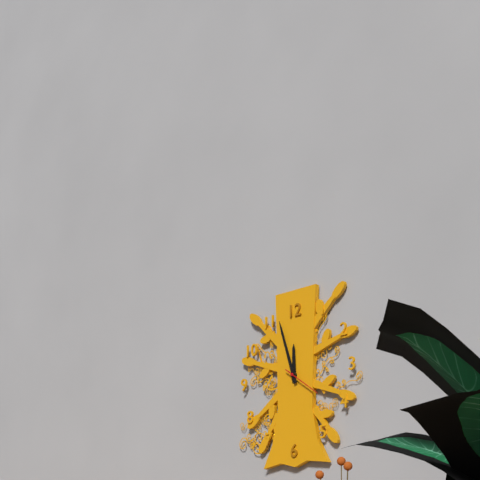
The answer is **11:57**
